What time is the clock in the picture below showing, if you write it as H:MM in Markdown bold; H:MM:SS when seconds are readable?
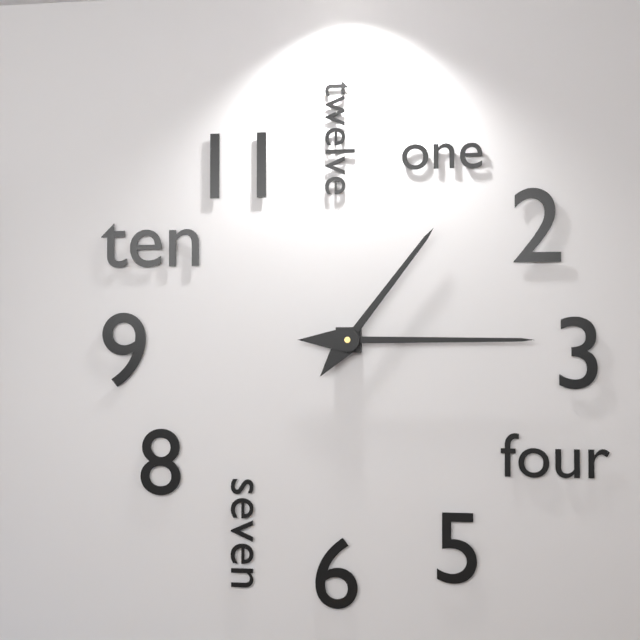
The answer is **1:15**
